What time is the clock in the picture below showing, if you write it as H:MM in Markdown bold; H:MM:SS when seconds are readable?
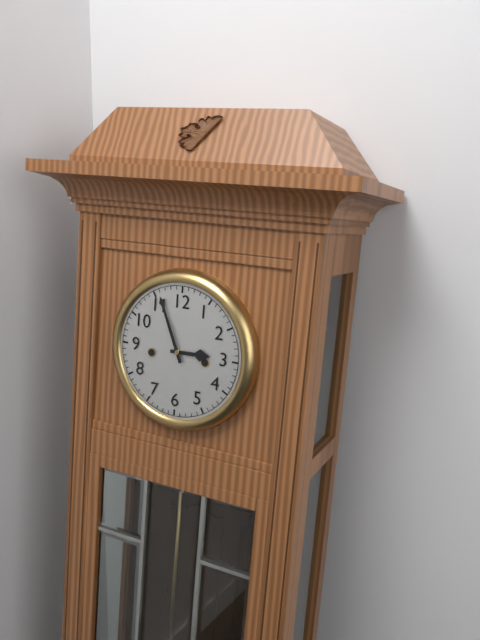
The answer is **2:56**
